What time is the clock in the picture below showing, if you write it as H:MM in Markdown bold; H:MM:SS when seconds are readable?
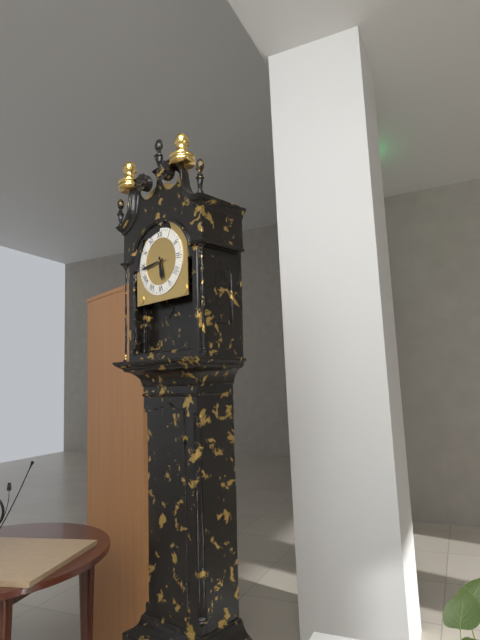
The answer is **5:44**
